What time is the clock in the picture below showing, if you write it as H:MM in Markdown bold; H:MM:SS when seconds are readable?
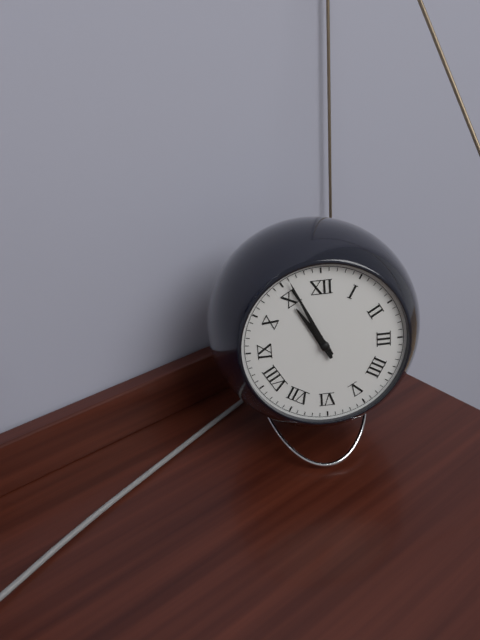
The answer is **10:56**
